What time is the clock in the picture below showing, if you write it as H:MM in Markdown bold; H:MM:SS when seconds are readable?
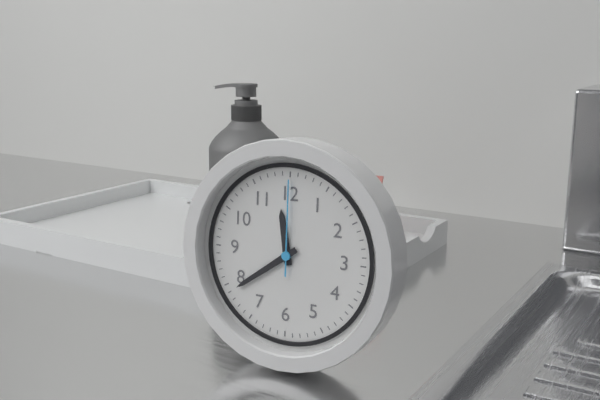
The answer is **11:39:00**
